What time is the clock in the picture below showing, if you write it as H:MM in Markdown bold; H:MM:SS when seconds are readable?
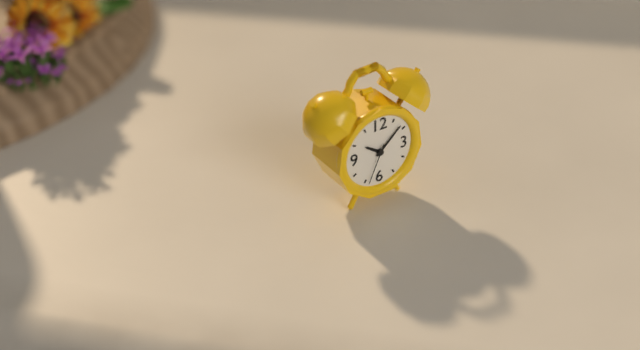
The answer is **10:08**
